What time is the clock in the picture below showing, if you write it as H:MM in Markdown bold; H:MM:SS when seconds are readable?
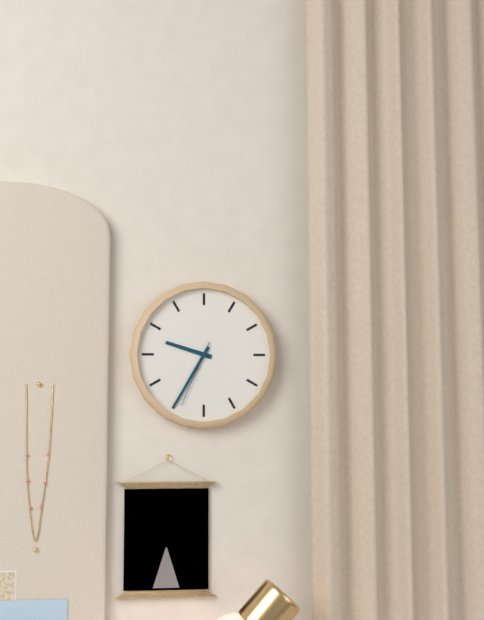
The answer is **9:35:34**
